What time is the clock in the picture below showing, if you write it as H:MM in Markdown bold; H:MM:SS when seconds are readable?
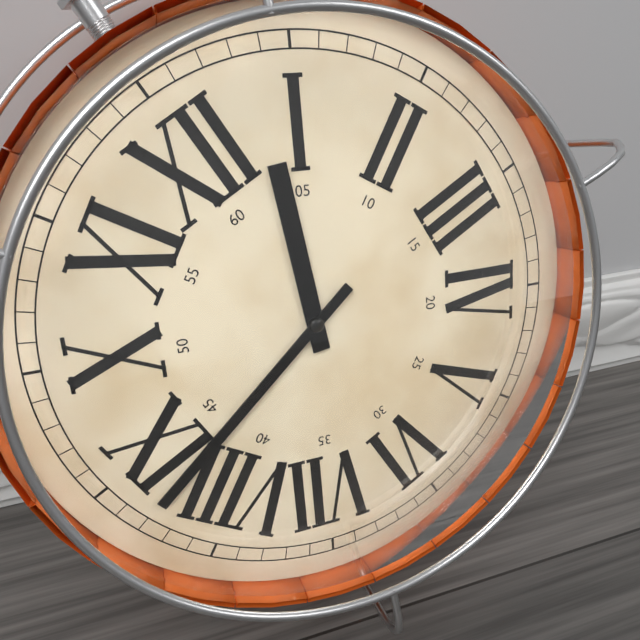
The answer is **12:43**
